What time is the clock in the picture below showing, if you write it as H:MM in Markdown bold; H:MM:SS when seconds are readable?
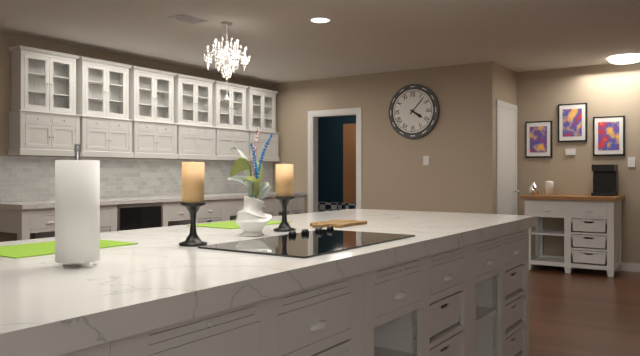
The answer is **4:07**
